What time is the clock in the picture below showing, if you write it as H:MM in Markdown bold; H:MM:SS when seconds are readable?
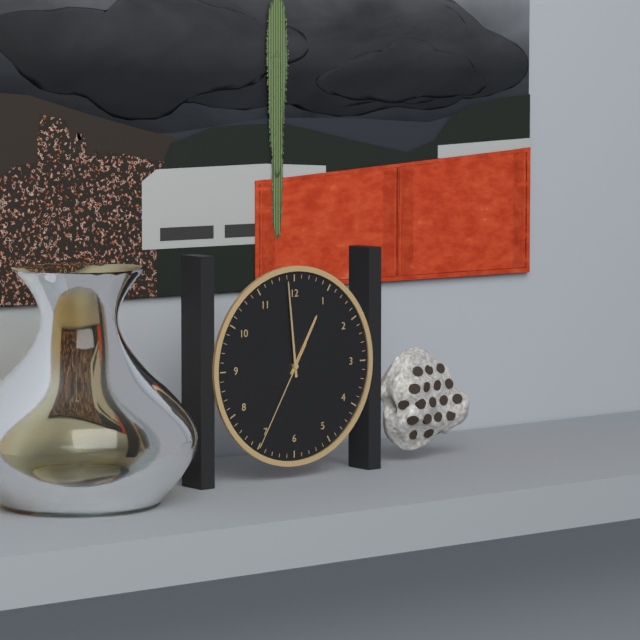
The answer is **12:59:35**
